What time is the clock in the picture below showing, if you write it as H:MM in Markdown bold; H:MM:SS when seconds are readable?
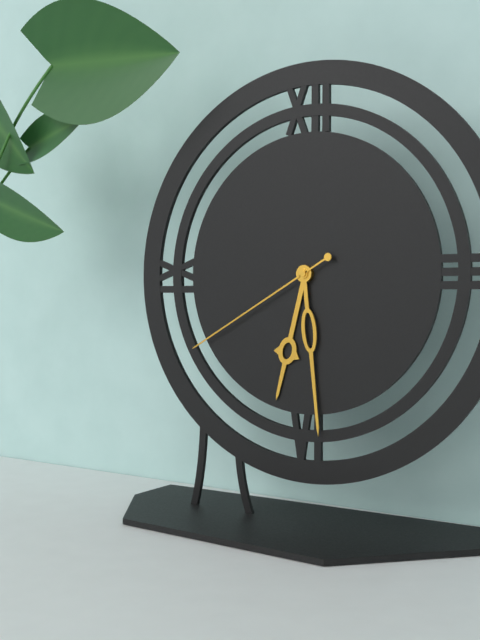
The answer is **6:29:40**
